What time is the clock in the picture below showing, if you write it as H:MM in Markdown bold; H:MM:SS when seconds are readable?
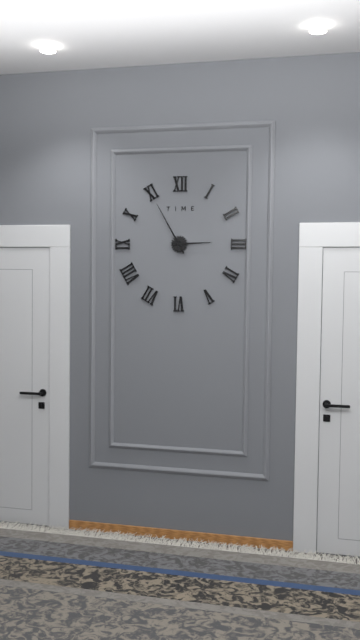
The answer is **2:55**
